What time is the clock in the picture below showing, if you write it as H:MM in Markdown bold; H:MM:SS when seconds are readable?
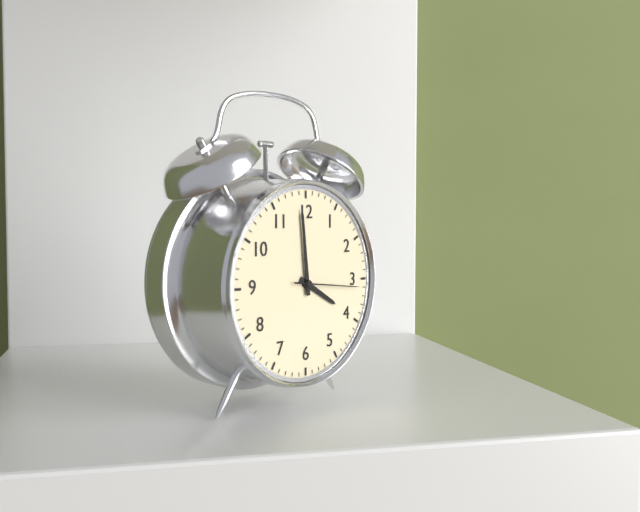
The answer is **3:59:16**
